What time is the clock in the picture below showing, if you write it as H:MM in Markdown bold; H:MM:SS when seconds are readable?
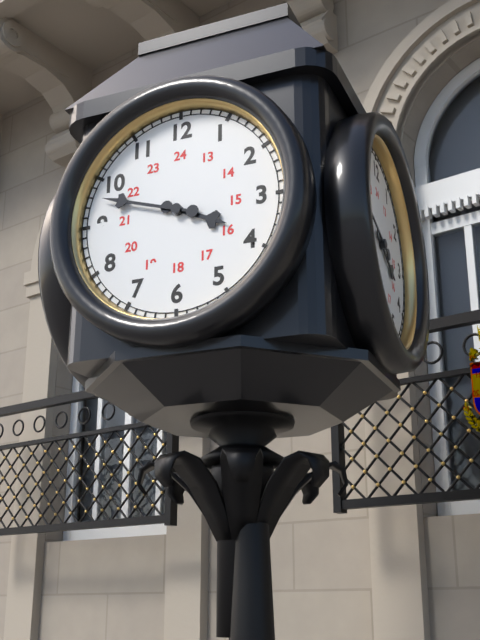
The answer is **3:48**
